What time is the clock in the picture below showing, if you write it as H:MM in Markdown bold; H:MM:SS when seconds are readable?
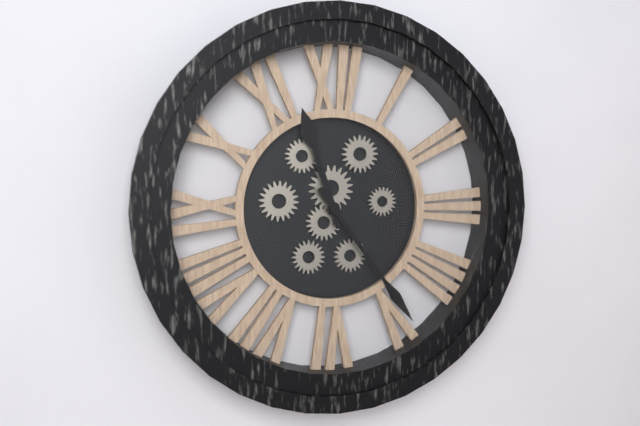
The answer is **11:24**
